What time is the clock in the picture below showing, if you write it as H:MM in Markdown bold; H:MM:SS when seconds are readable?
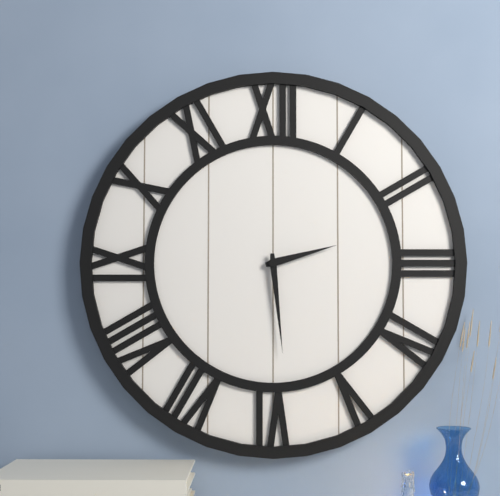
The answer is **2:29**
